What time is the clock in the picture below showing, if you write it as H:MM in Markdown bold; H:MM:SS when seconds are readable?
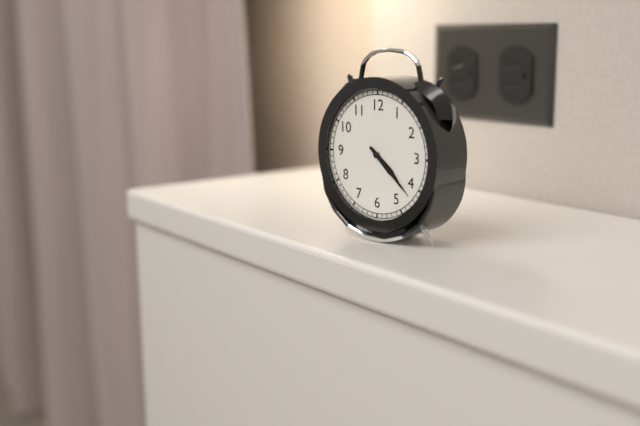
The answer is **4:22**
